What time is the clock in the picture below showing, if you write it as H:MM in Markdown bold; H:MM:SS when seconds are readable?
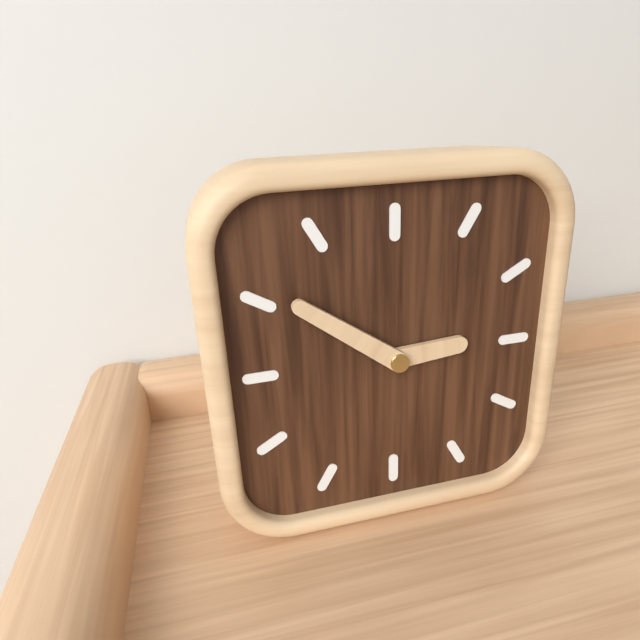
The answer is **2:51**
